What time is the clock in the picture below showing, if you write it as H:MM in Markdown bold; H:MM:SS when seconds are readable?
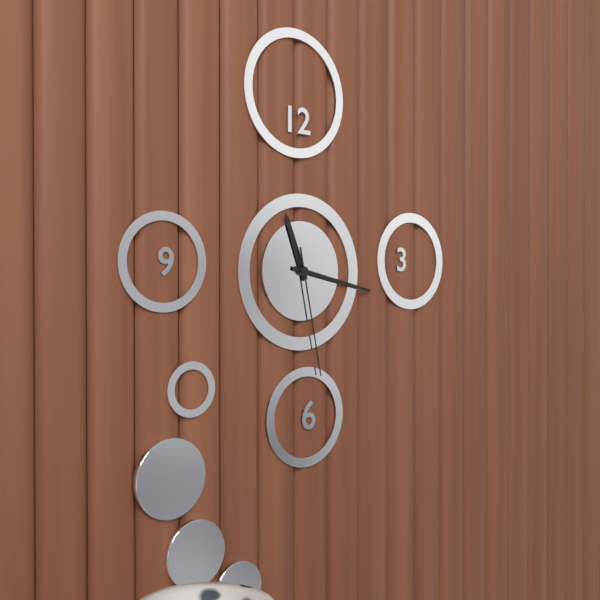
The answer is **11:17:28**
